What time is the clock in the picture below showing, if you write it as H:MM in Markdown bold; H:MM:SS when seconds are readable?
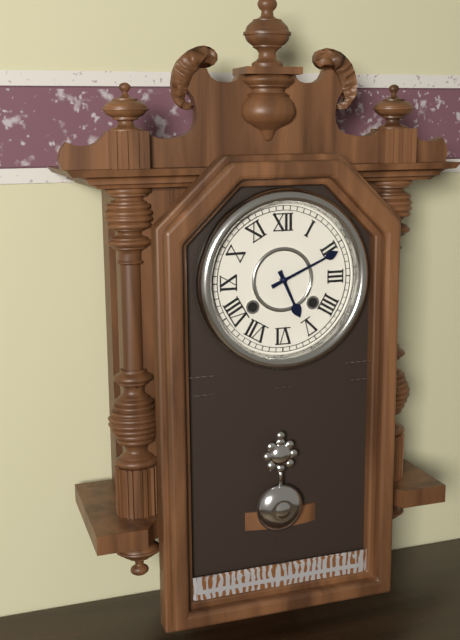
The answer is **5:11**
